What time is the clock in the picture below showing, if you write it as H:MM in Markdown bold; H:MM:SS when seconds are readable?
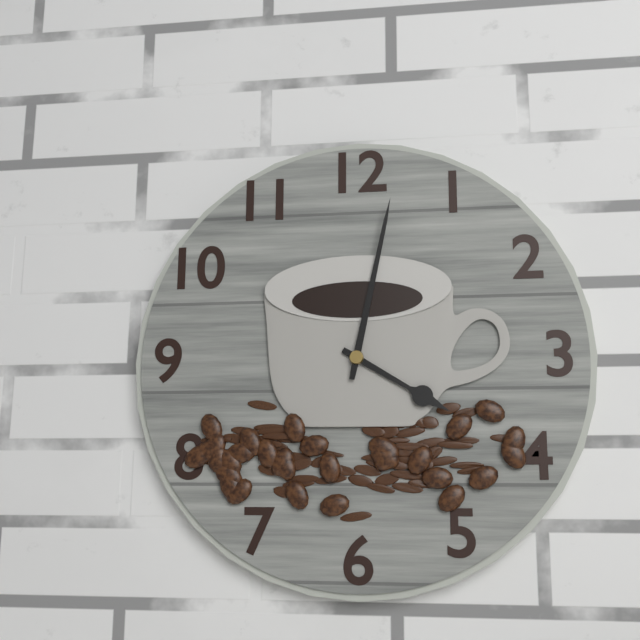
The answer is **4:02**
